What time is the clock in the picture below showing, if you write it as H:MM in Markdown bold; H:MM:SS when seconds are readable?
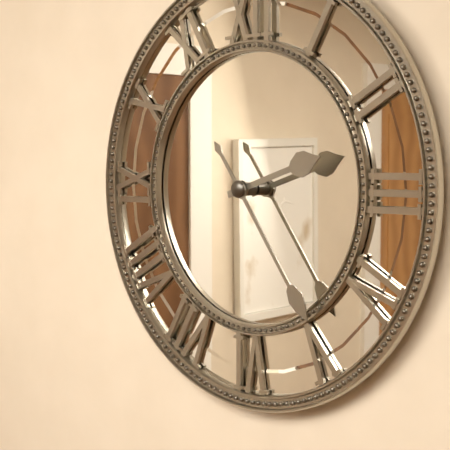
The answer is **2:24**
